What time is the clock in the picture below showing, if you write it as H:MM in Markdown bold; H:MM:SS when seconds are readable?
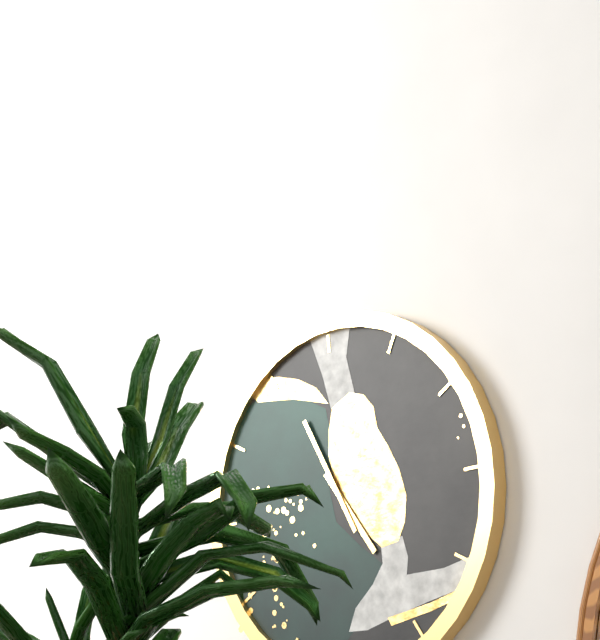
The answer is **4:56**
